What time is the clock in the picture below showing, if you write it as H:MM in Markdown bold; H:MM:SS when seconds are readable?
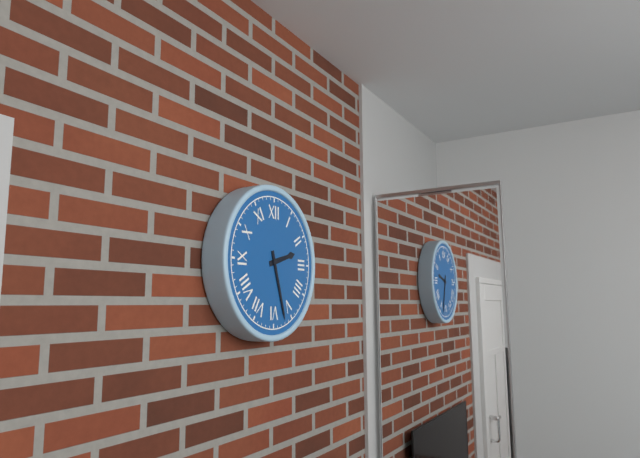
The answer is **2:27**
